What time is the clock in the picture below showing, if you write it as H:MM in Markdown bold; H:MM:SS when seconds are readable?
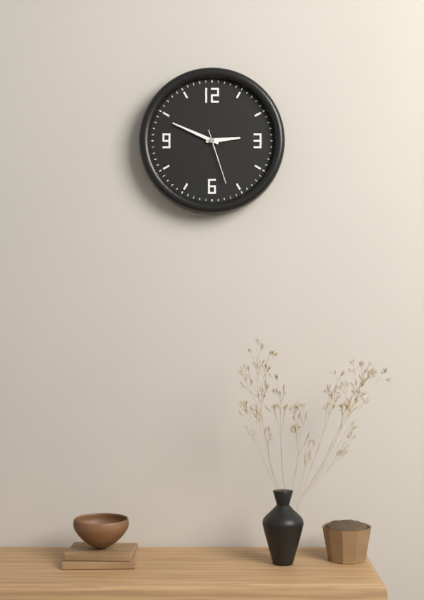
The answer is **2:49:27**
